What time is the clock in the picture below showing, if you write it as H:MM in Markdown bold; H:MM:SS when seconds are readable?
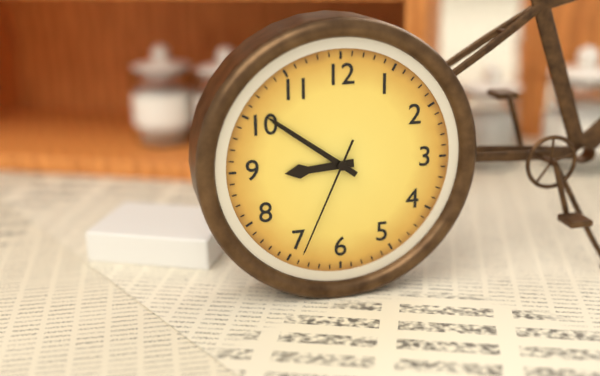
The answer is **8:51:34**
